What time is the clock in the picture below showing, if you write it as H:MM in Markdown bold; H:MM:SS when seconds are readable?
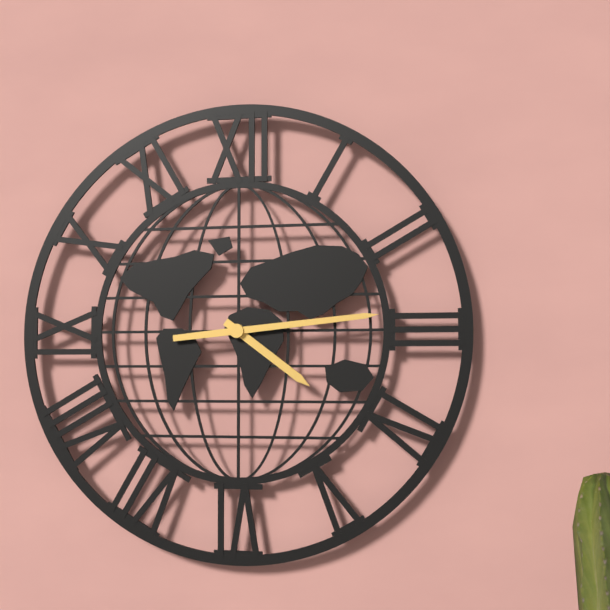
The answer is **4:14**
